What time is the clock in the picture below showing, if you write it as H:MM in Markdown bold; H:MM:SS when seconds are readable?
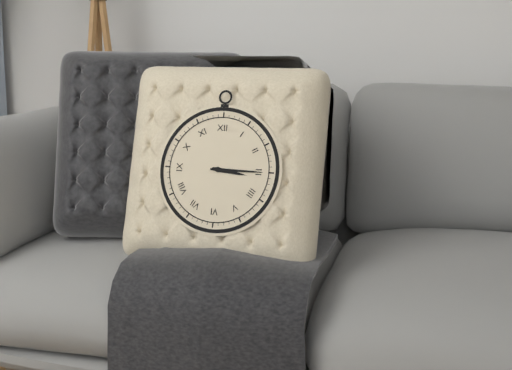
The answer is **3:15**
